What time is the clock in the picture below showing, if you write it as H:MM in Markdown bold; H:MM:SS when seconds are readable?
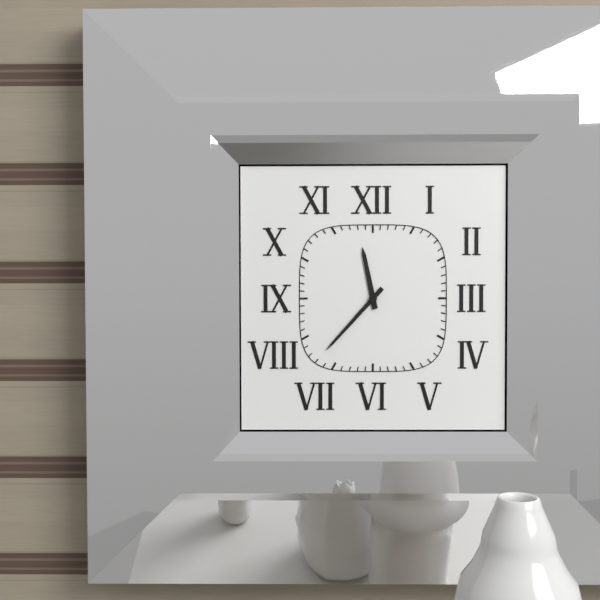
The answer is **11:37**
